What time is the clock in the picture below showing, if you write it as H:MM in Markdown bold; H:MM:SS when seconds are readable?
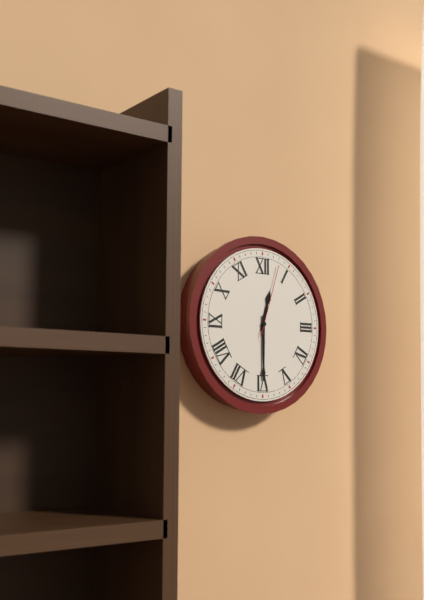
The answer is **12:30:03**
